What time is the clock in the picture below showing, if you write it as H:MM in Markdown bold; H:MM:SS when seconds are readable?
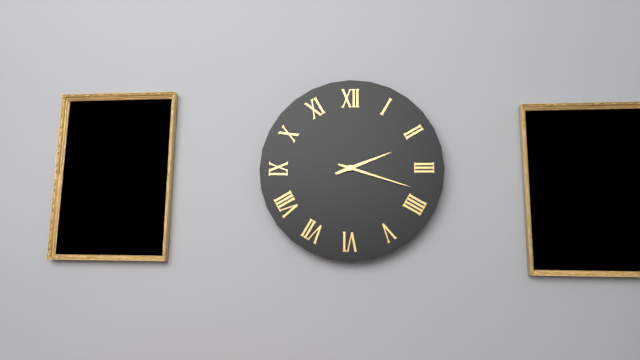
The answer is **2:18**
